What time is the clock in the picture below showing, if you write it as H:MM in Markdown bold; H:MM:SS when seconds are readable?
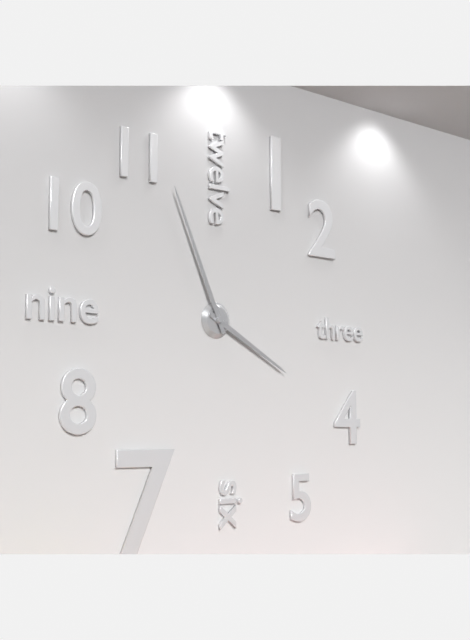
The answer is **3:56**
